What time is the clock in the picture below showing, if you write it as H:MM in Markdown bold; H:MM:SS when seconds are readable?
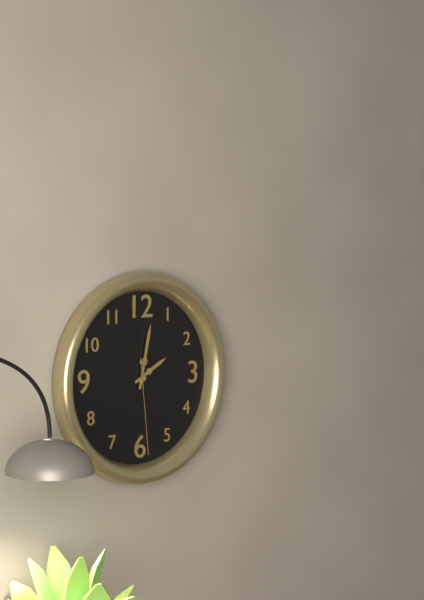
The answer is **2:02:29**
